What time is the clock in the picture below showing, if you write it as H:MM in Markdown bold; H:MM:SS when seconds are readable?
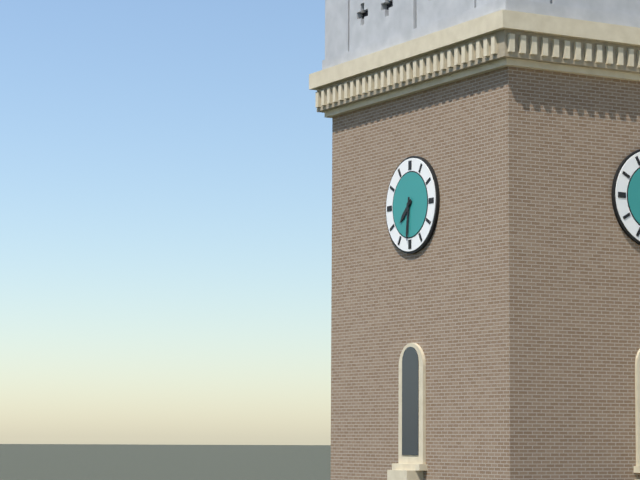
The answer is **7:31**
